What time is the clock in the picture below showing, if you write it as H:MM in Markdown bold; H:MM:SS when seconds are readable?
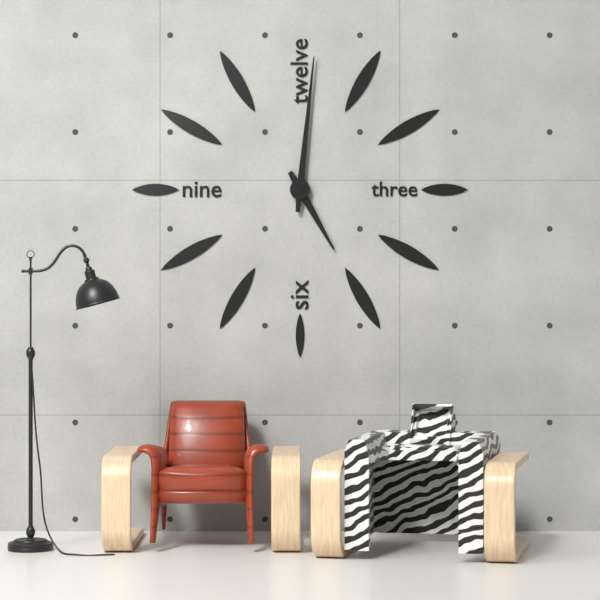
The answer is **5:01**
